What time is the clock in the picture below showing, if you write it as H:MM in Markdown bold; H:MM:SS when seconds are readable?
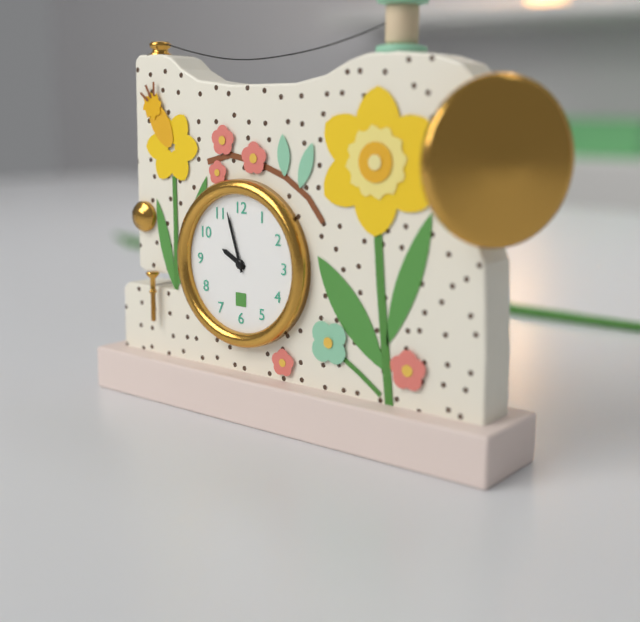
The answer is **9:57**
